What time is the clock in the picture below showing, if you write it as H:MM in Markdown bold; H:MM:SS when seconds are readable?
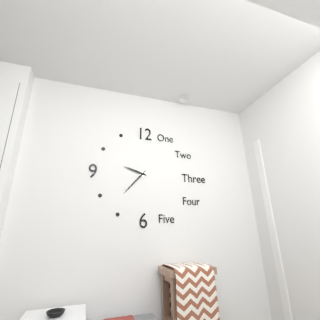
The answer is **9:37**
